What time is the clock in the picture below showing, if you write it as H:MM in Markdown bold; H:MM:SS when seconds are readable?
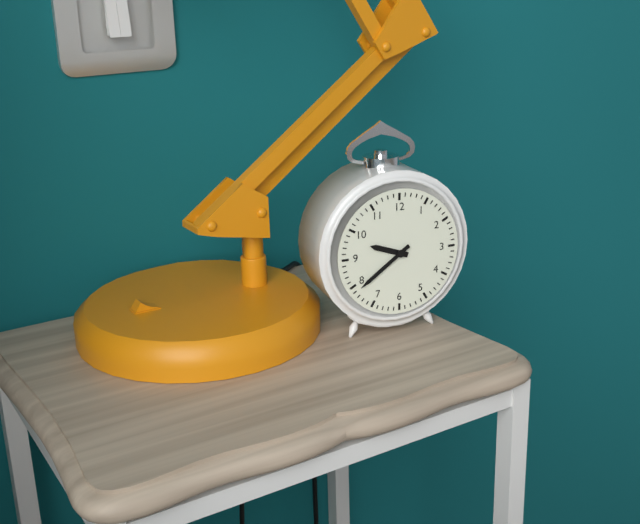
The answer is **9:39**
